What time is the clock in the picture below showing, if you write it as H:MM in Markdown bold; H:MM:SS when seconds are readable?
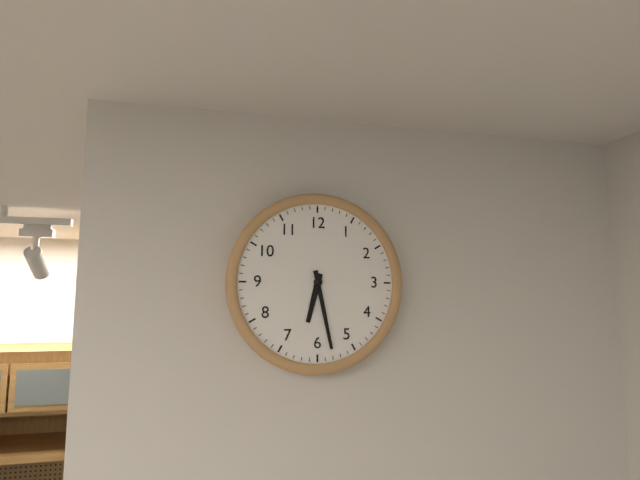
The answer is **6:28**
